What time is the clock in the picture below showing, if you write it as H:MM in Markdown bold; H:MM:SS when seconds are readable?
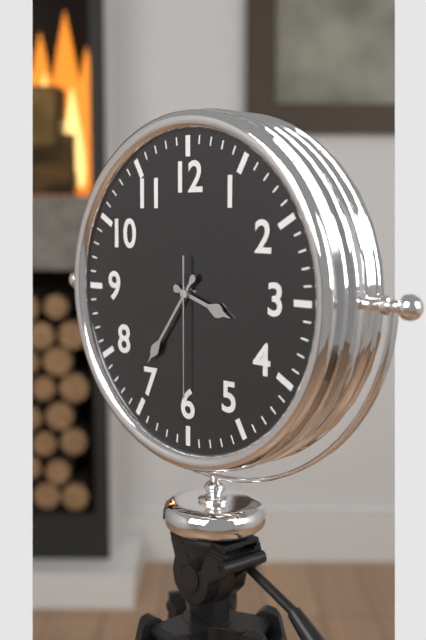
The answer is **3:36:30**
